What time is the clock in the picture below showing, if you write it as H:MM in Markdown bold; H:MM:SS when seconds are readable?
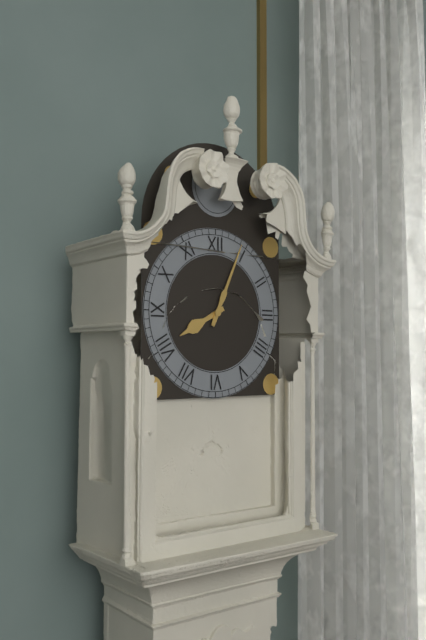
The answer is **8:04**
